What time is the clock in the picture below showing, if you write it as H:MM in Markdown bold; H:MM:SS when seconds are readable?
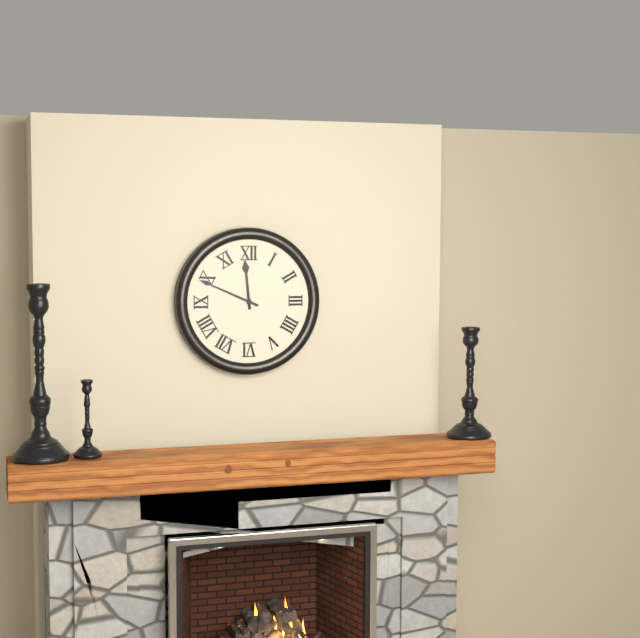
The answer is **11:49**
